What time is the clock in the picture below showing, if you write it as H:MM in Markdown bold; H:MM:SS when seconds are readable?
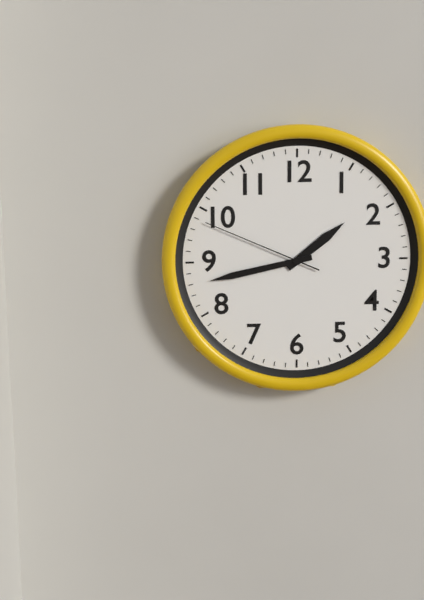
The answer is **1:43:49**
